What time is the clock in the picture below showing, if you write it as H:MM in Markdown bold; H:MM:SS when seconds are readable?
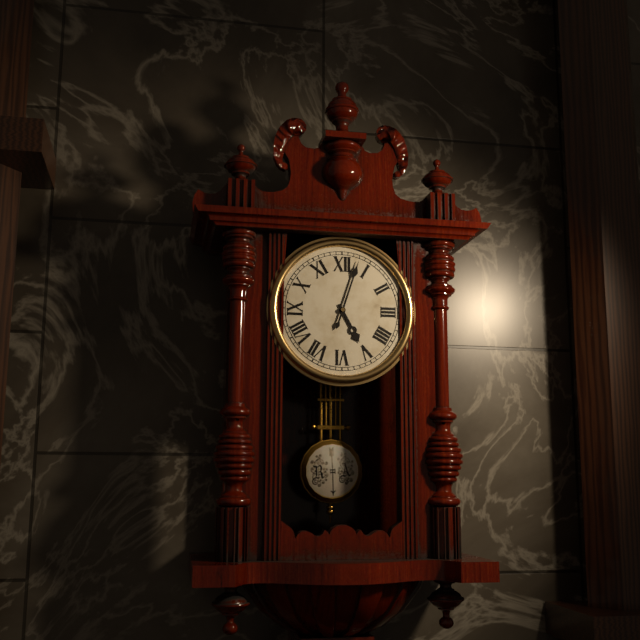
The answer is **5:03**
